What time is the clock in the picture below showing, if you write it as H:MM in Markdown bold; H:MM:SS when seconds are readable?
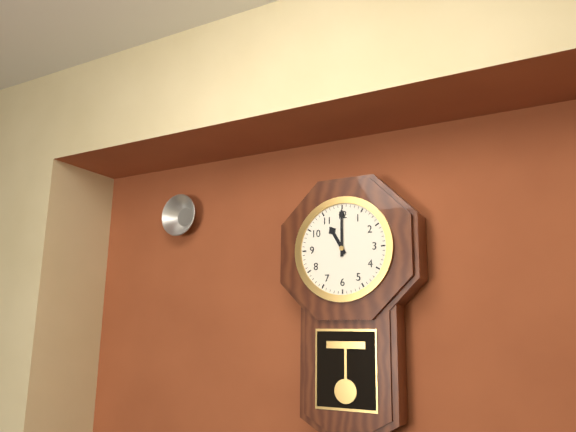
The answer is **11:00**
